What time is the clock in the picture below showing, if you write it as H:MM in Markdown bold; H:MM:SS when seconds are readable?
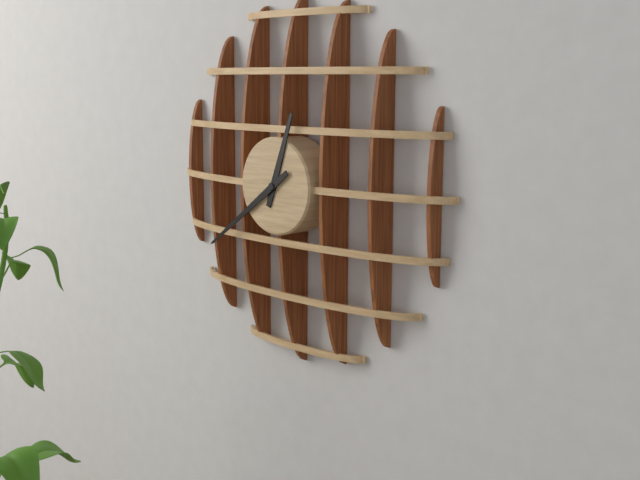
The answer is **12:39**
